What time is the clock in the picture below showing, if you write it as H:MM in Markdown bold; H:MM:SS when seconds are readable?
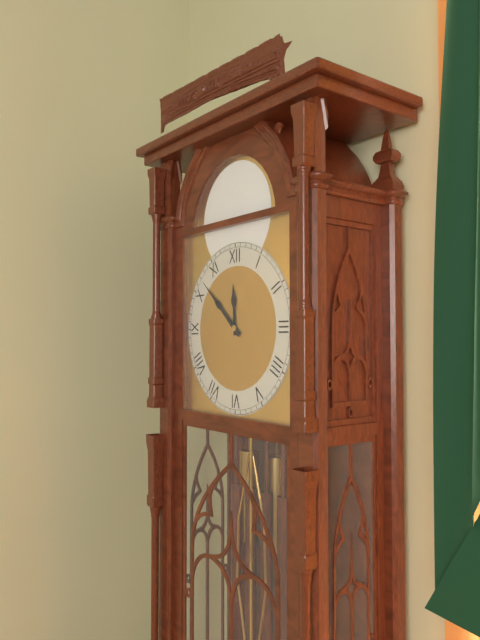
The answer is **11:52**
